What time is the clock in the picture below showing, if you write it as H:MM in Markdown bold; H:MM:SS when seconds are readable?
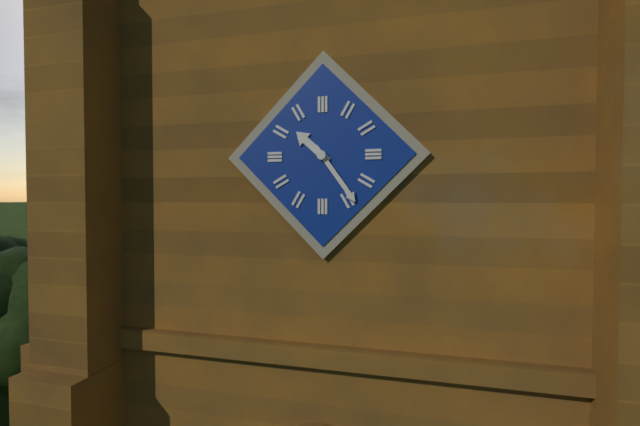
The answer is **10:24**
